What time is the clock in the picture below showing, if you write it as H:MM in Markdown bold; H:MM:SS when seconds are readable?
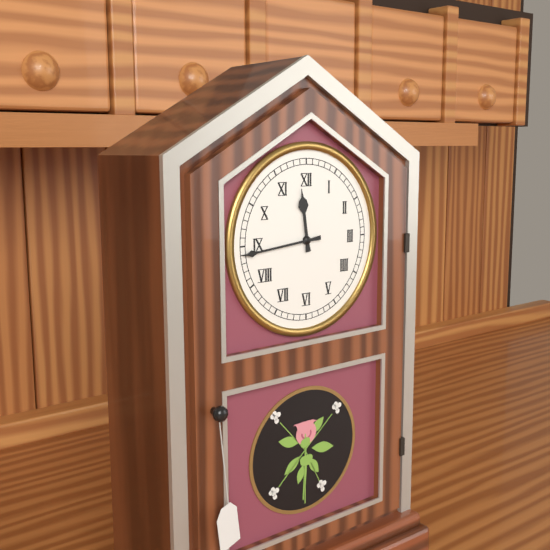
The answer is **11:44**
